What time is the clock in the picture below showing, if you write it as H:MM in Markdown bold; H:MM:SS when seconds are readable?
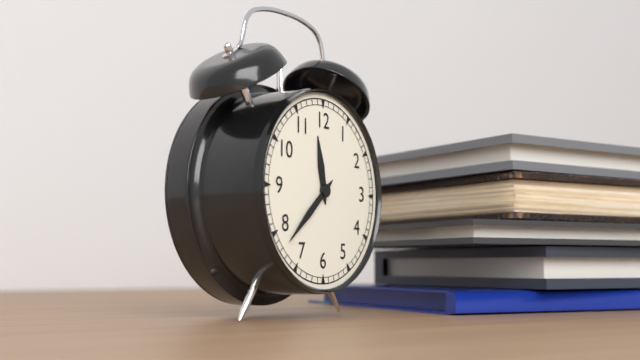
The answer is **11:38**
